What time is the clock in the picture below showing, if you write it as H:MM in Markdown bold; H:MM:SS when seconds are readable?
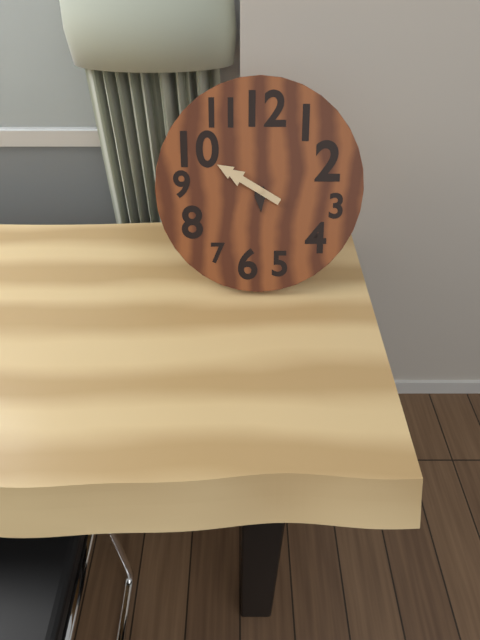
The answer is **5:50**
